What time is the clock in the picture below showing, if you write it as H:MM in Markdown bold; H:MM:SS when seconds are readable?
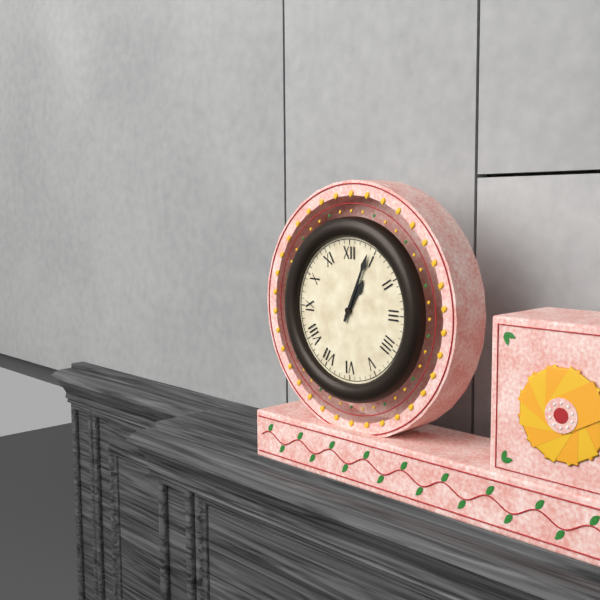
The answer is **1:04**
